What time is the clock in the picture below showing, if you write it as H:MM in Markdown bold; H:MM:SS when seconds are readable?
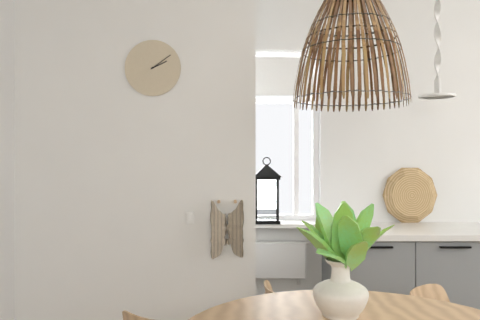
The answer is **2:09**
